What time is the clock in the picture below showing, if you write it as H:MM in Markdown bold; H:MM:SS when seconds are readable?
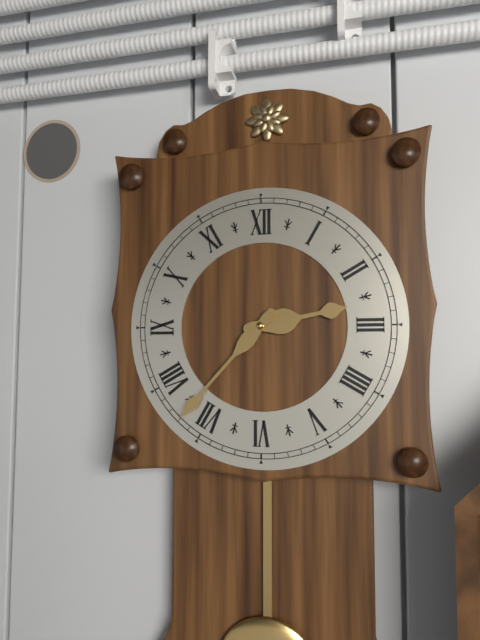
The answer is **2:37**
